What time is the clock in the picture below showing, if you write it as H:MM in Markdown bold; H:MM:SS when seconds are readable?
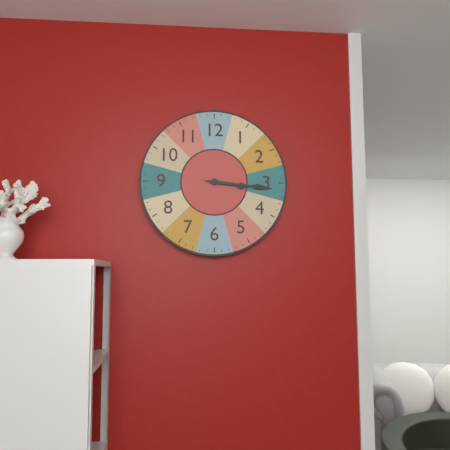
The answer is **3:16**
